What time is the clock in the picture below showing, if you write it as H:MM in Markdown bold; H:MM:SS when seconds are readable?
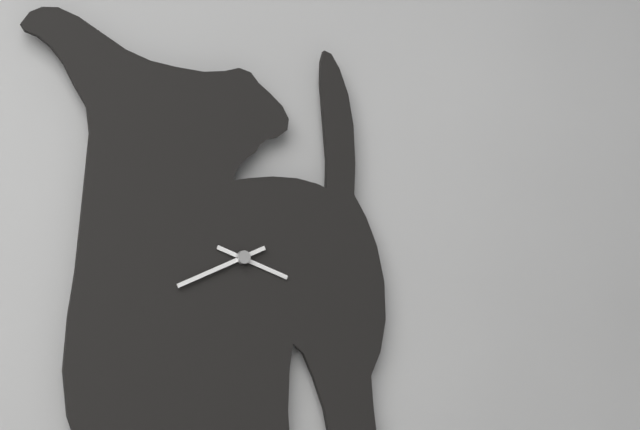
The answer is **3:41**
